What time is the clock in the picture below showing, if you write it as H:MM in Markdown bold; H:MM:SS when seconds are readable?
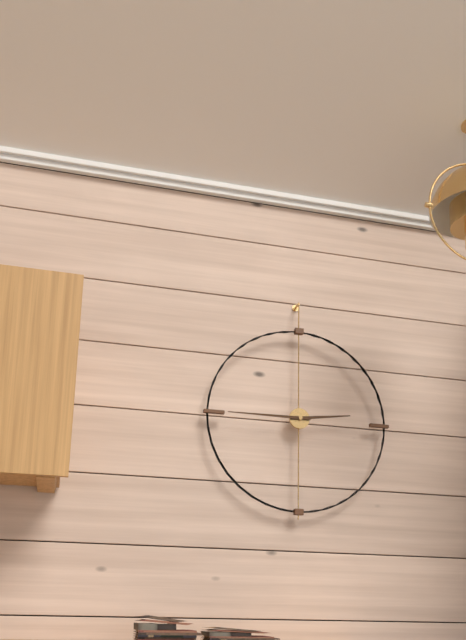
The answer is **2:45**
